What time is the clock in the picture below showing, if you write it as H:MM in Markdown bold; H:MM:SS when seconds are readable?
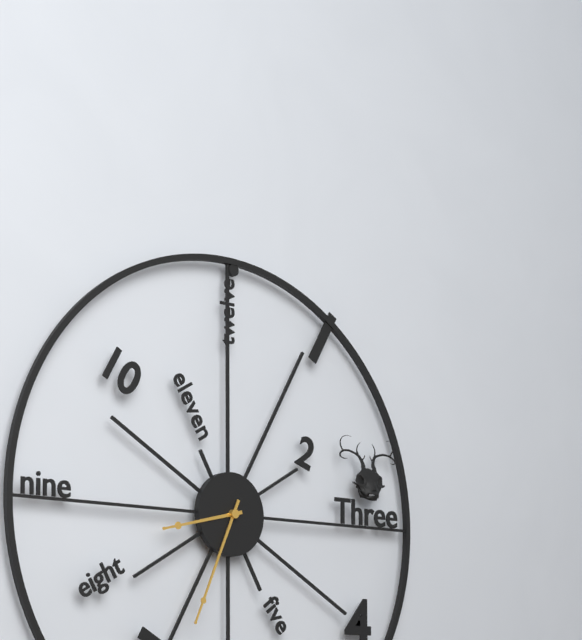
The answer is **8:34**
